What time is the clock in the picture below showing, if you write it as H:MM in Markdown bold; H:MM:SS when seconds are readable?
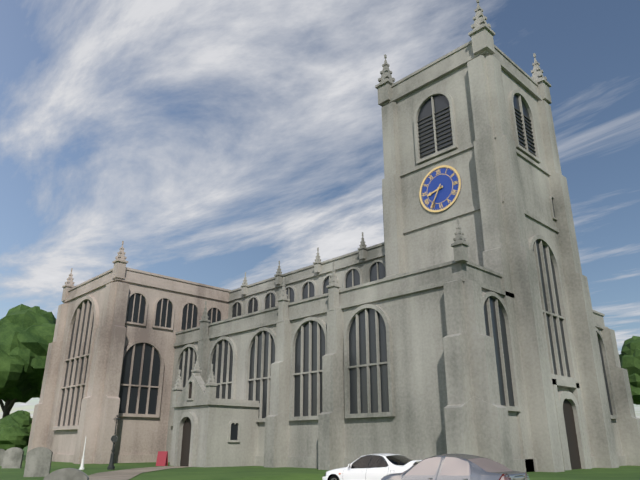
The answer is **8:35**
